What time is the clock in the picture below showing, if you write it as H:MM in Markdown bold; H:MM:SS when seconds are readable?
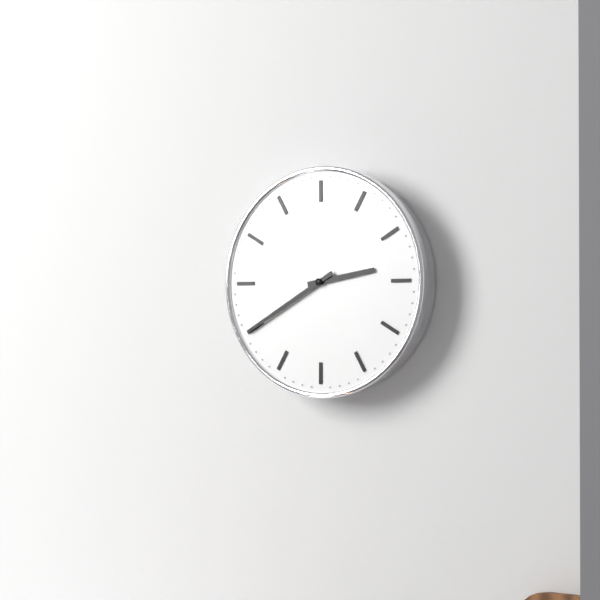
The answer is **2:40**
